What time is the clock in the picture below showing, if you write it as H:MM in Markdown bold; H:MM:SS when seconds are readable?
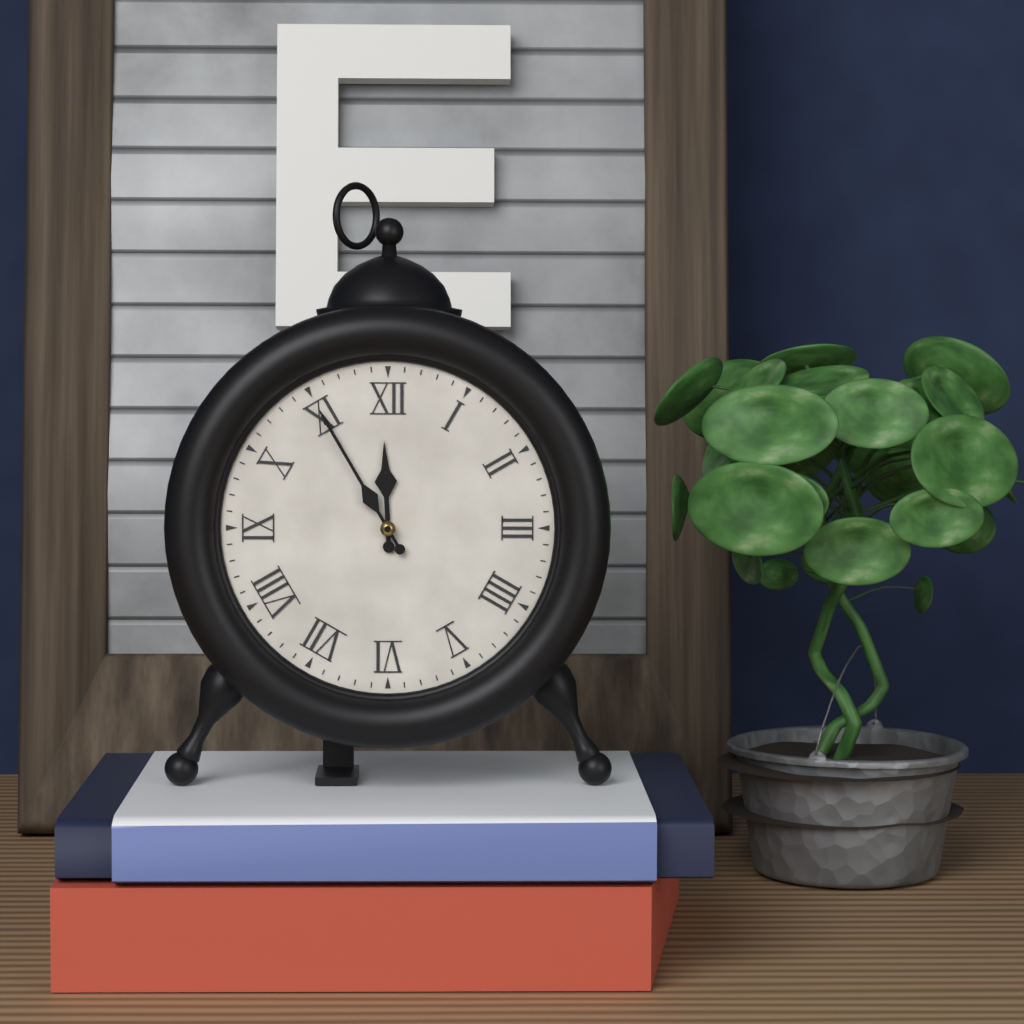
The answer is **11:55**
